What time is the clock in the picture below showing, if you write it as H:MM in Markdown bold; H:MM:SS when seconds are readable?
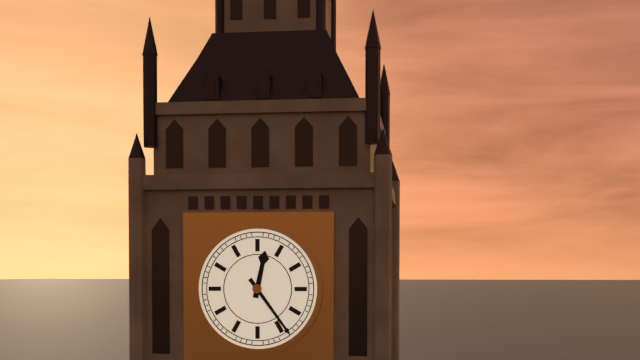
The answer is **12:24**
